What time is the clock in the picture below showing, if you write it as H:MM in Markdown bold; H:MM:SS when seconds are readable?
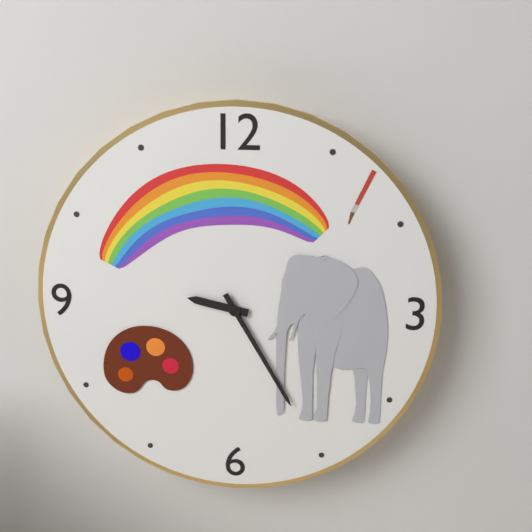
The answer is **9:25**
